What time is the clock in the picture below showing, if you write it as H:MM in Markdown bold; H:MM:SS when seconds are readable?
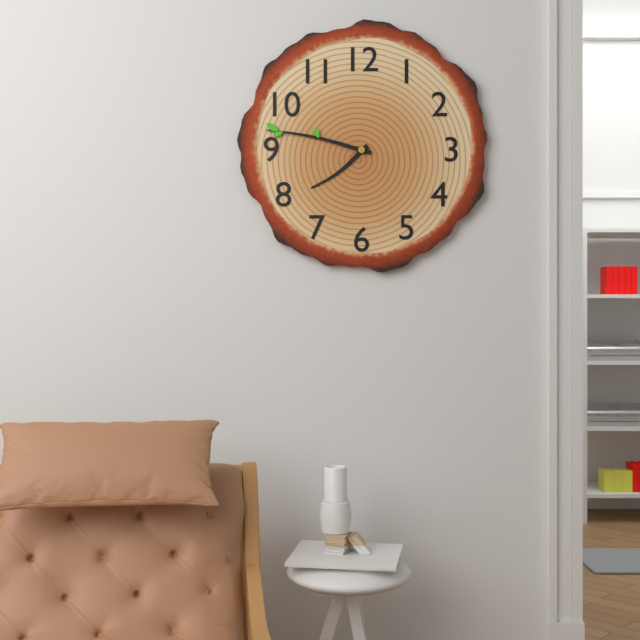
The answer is **7:47**
